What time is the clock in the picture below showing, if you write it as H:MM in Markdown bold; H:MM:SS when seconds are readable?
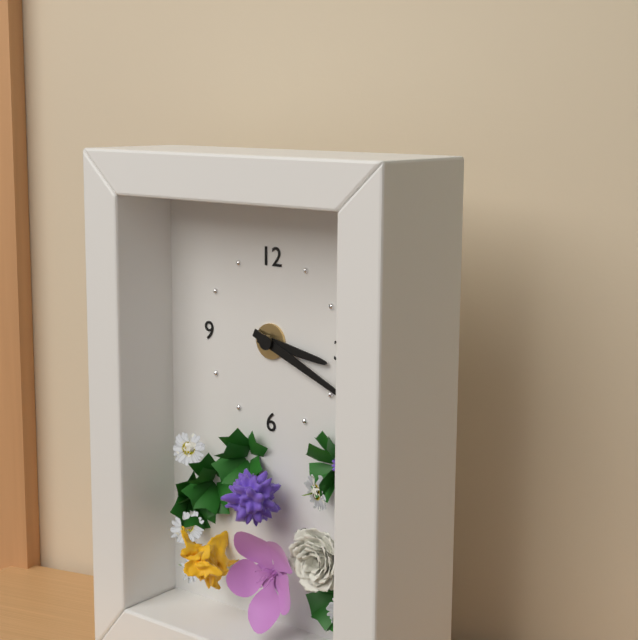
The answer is **3:19**
